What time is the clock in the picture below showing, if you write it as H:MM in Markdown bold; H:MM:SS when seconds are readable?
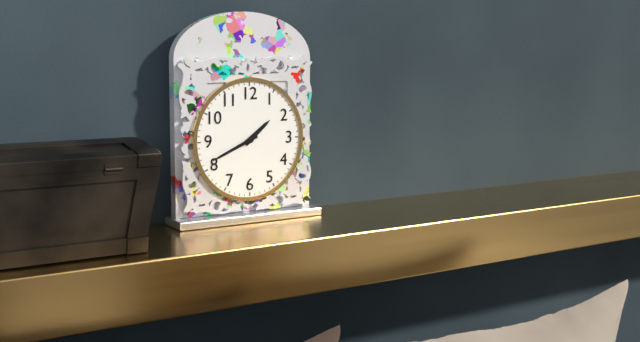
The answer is **1:41**
